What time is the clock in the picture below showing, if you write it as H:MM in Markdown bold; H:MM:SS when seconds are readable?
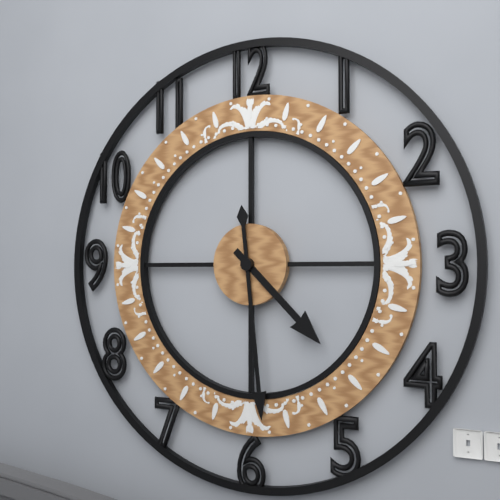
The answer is **4:29**
